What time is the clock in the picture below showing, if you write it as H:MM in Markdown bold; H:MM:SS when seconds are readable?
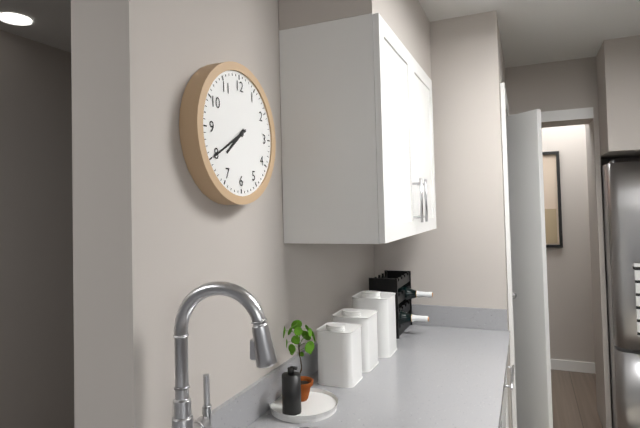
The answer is **7:40**
